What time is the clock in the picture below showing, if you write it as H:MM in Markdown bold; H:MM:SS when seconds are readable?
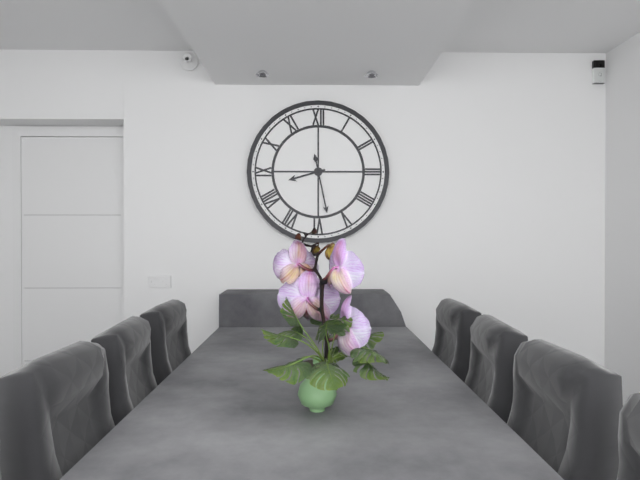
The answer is **8:28**
